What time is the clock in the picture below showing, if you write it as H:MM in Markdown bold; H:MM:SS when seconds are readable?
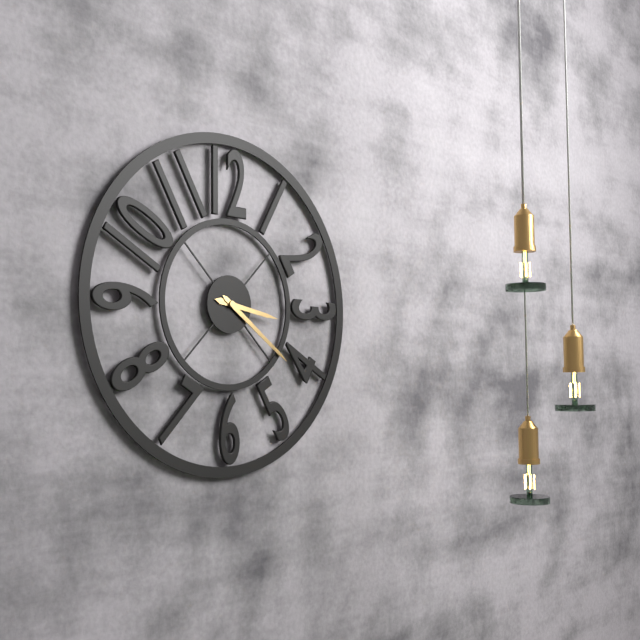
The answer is **3:21**
